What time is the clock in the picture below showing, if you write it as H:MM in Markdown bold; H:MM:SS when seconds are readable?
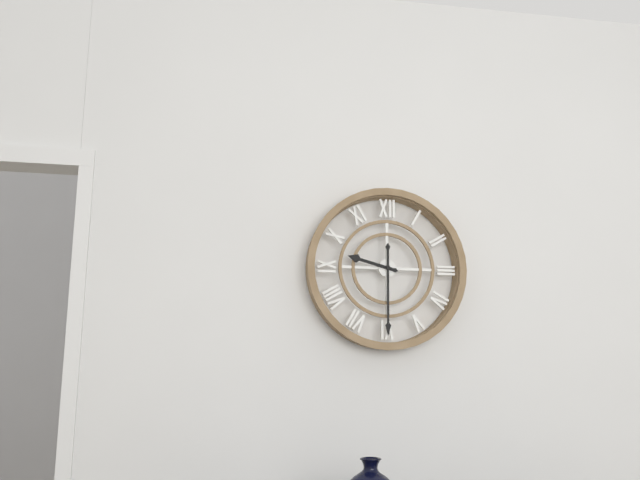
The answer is **9:30**
